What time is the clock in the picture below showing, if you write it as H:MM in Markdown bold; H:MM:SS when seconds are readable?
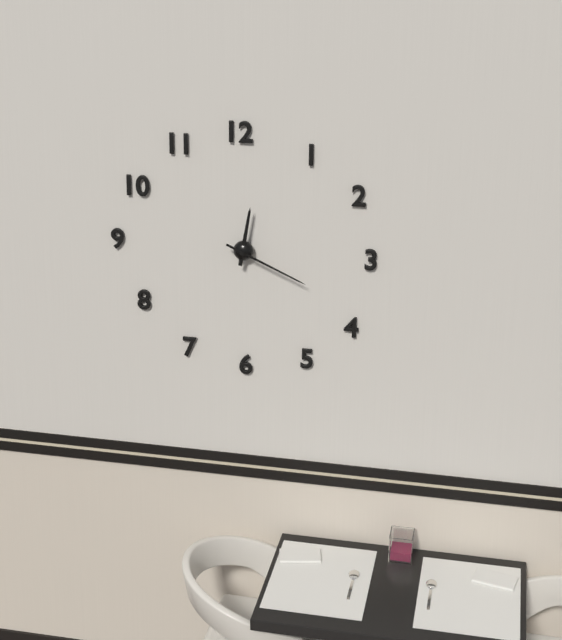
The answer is **12:19**
